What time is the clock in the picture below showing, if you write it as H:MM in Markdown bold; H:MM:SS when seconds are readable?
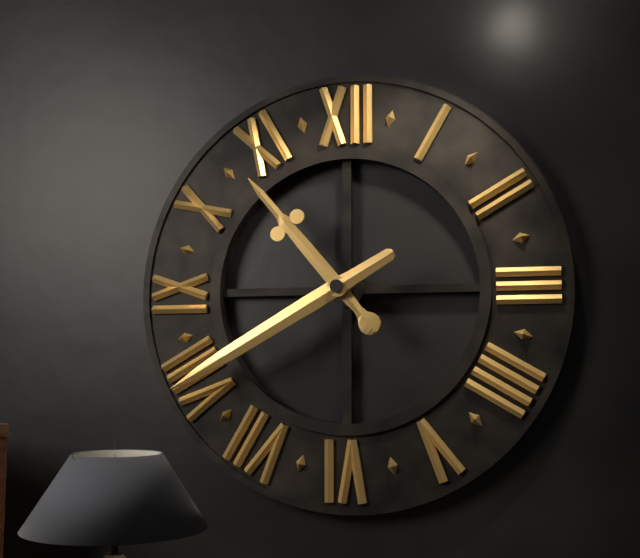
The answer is **10:40**
